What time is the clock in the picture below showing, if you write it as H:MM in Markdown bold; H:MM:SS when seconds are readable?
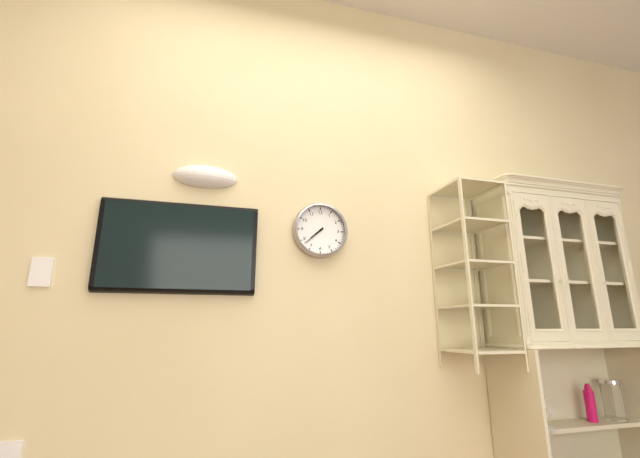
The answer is **7:38**
